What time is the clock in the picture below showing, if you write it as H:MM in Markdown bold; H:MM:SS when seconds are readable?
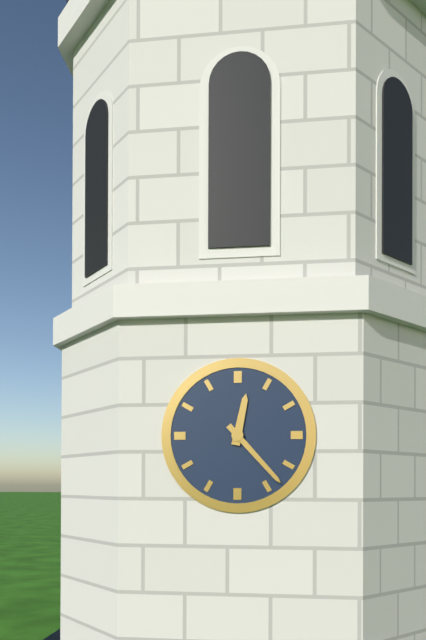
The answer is **12:23**
